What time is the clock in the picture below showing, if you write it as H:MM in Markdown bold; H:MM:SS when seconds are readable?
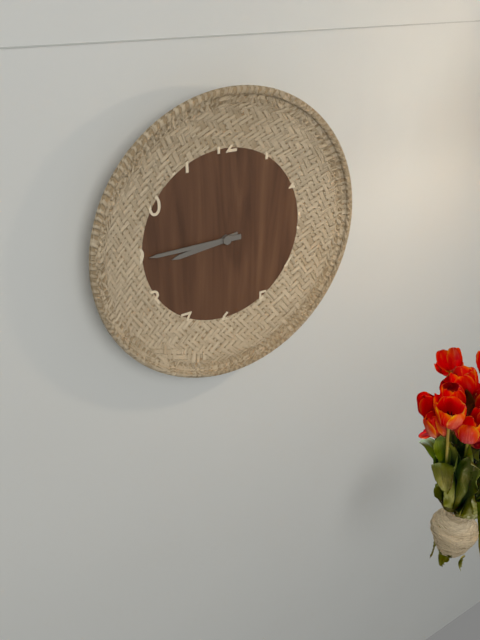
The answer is **8:45**
